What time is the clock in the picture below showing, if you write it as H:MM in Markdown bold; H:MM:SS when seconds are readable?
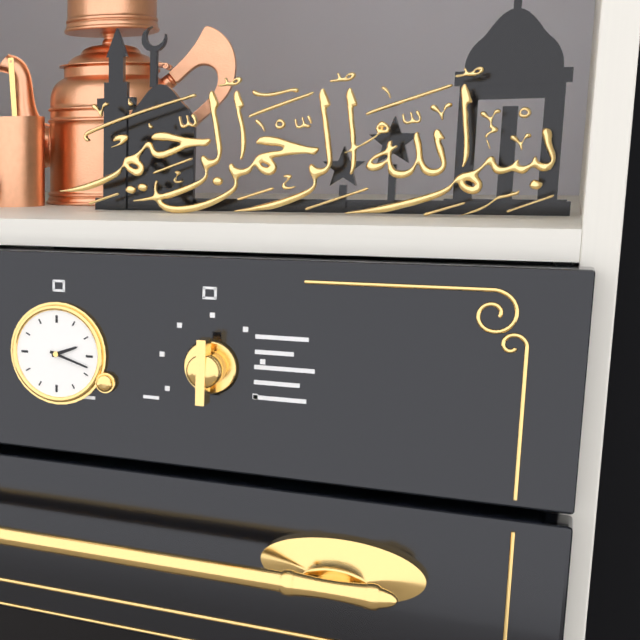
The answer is **2:18**
